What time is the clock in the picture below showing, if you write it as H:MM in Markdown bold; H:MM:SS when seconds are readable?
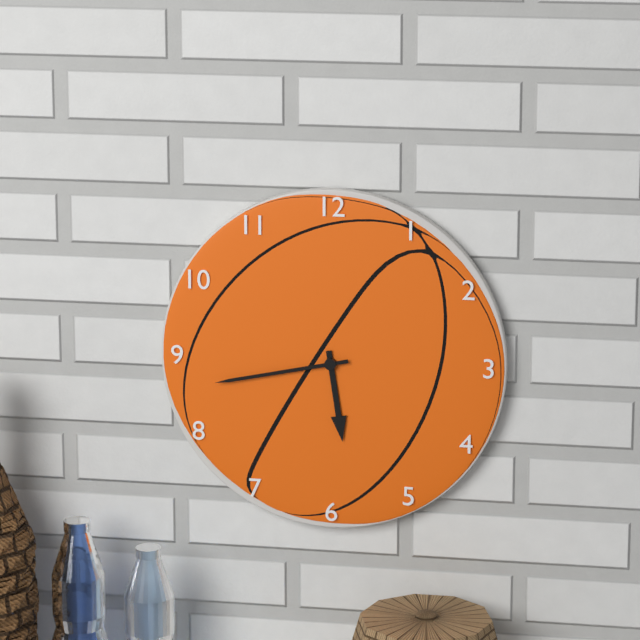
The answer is **5:43**
